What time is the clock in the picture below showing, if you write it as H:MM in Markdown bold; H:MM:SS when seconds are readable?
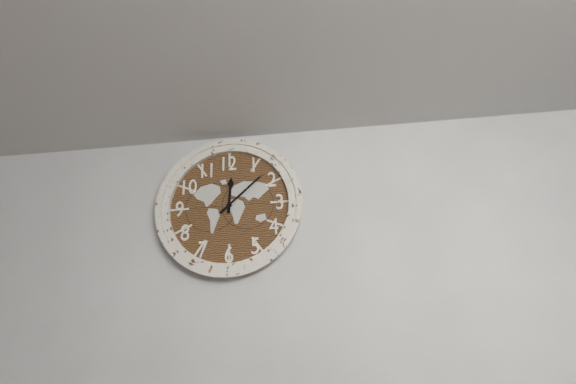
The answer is **12:08**
